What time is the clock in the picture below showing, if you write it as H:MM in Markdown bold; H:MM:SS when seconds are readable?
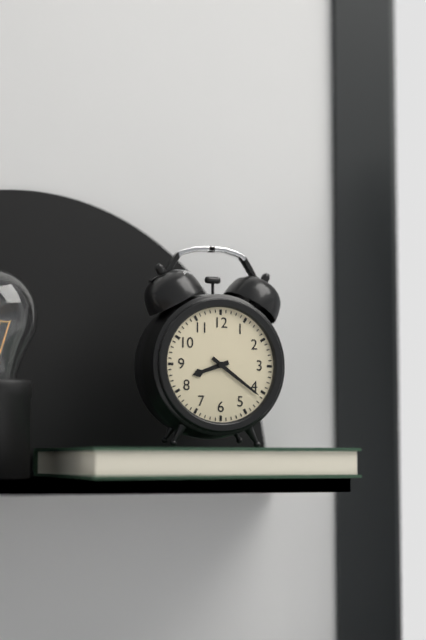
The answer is **8:21**
